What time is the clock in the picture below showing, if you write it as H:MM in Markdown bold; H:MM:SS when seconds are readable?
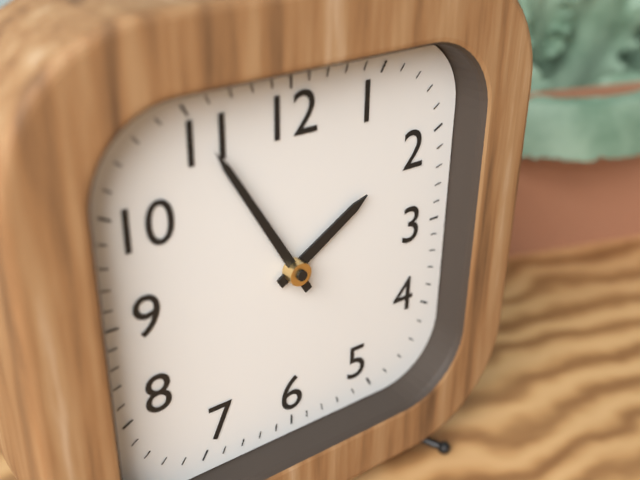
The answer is **1:55**
